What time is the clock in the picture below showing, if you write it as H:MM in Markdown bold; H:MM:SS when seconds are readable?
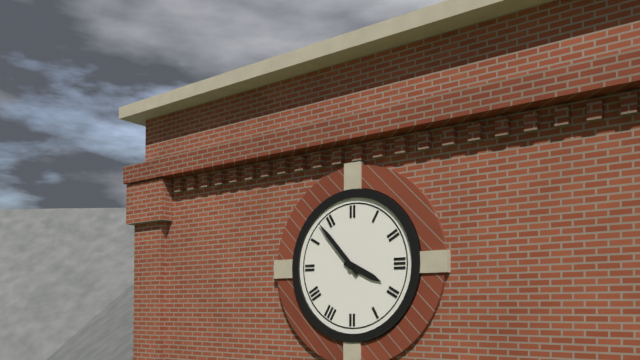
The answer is **3:53**
